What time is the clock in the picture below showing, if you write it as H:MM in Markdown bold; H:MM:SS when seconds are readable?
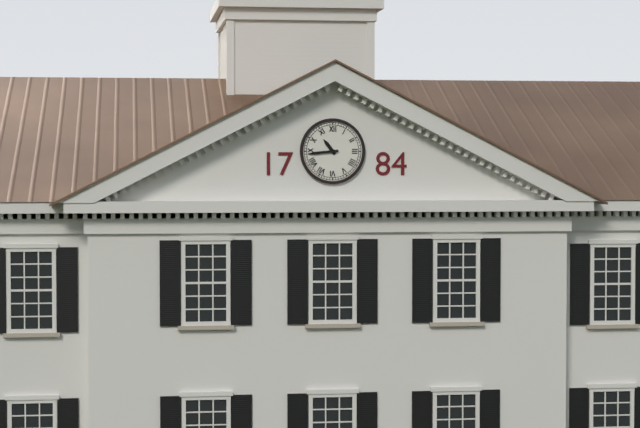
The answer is **10:44**
